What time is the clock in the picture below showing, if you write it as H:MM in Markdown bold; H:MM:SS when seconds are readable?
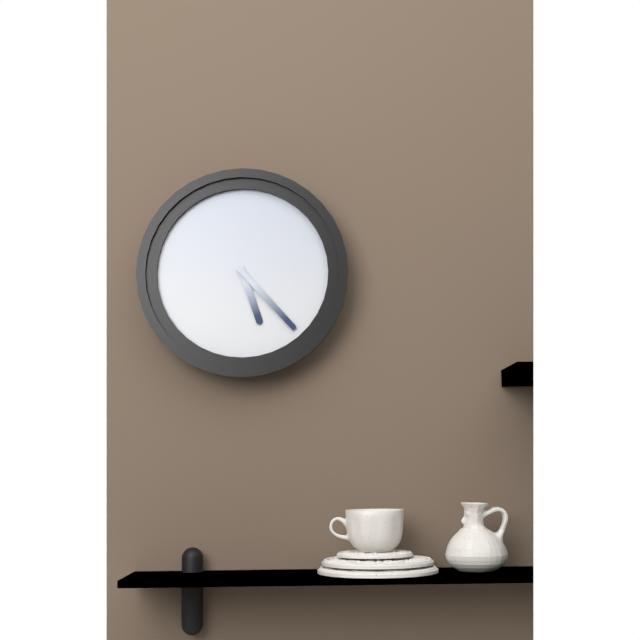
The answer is **5:23**
